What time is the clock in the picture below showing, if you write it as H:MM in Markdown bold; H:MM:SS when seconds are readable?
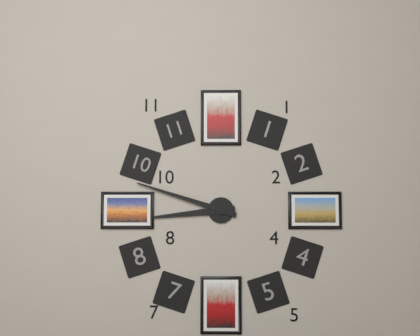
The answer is **8:48**
